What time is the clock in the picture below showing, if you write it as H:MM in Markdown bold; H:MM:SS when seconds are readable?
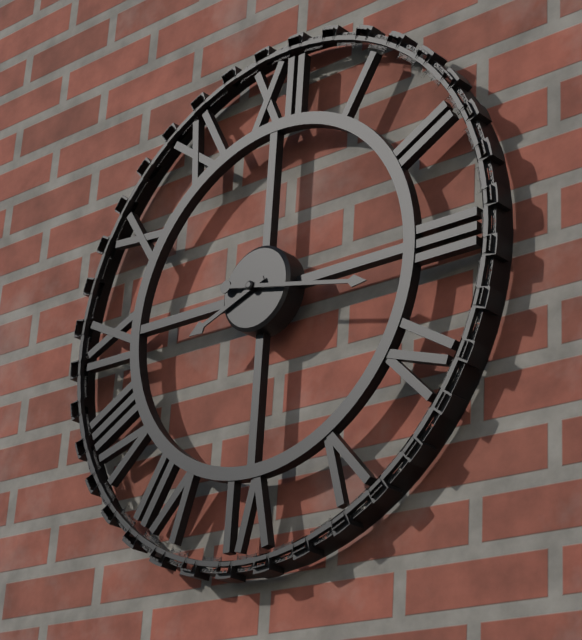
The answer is **8:17**
